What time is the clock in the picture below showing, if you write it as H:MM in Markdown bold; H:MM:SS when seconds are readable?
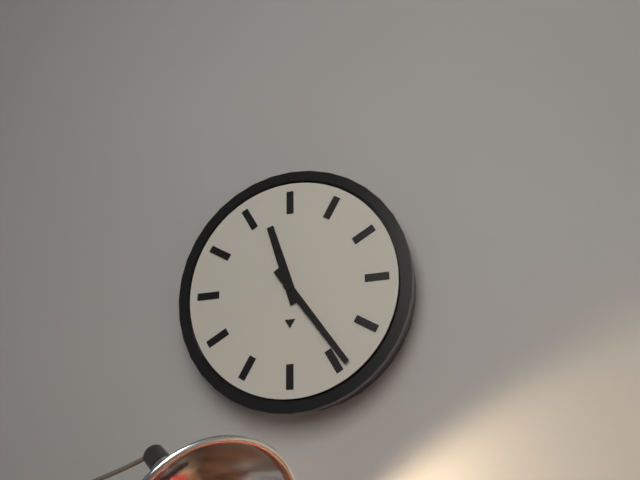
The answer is **11:24**
